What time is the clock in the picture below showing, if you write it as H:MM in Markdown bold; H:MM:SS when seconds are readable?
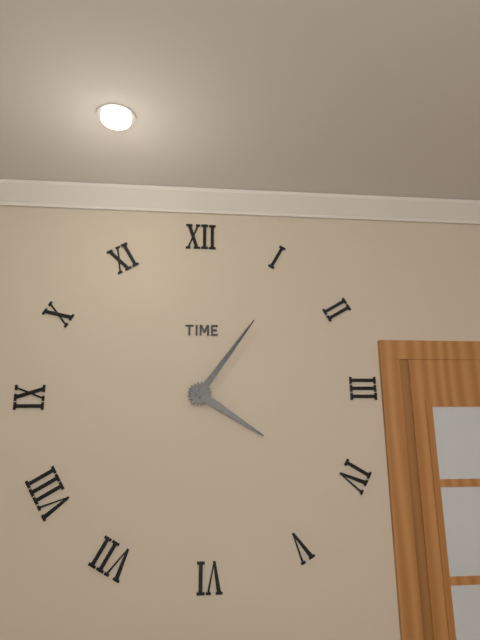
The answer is **4:06**
